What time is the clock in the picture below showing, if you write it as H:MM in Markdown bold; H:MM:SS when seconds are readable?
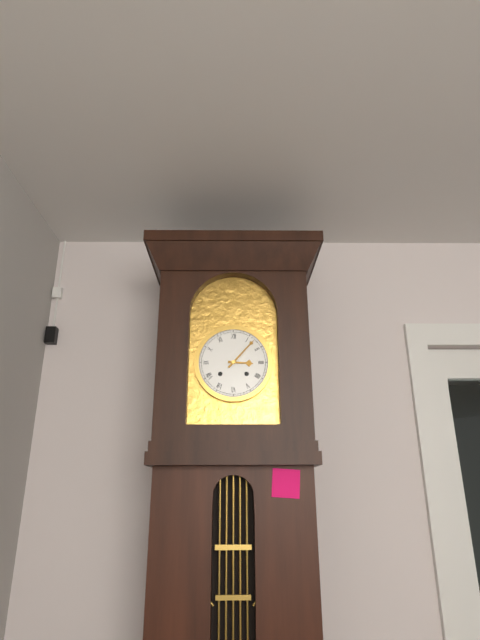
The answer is **3:07**
